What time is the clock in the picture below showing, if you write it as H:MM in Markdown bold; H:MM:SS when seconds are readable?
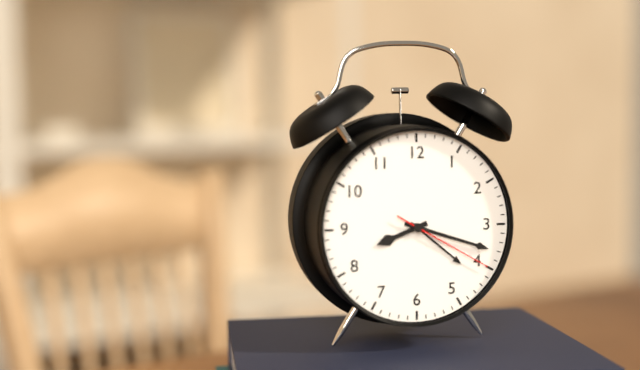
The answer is **8:18:20**
